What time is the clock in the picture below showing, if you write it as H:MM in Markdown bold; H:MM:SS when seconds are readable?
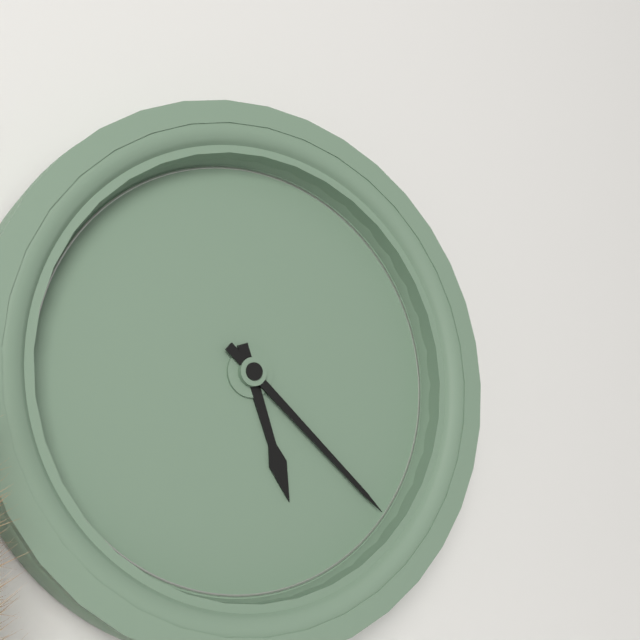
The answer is **5:22**
